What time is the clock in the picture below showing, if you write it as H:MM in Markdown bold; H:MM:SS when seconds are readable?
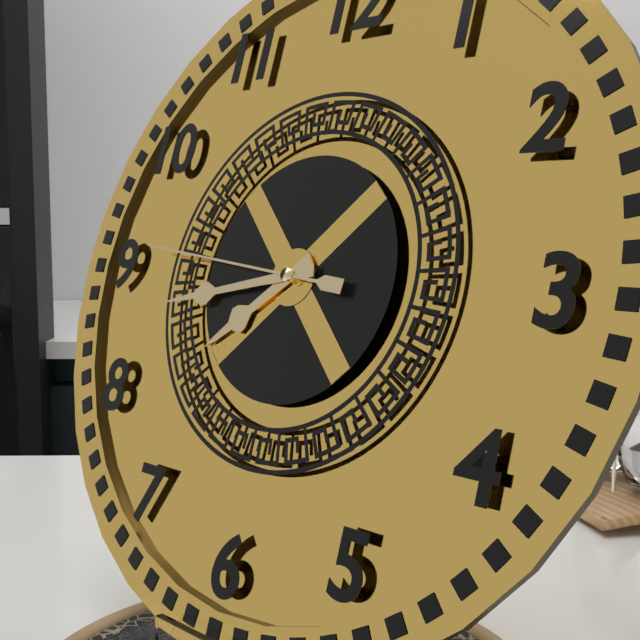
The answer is **7:43:46**
